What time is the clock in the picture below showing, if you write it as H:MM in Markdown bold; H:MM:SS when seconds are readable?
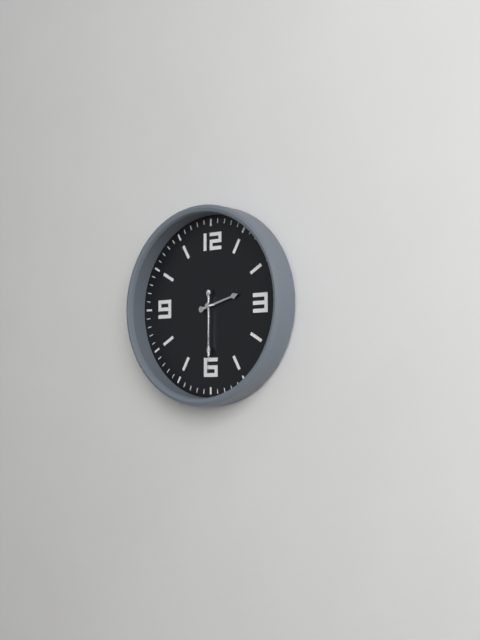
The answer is **2:30:30**
